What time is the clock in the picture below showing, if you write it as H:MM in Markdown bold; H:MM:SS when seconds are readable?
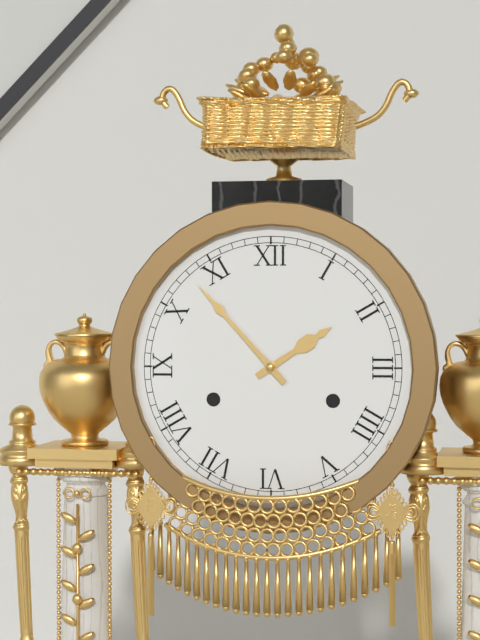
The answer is **1:53**
